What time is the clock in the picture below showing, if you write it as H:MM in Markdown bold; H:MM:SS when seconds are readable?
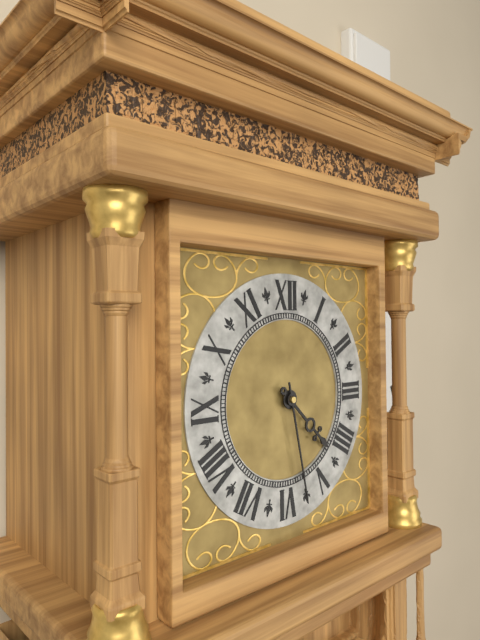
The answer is **4:28**
